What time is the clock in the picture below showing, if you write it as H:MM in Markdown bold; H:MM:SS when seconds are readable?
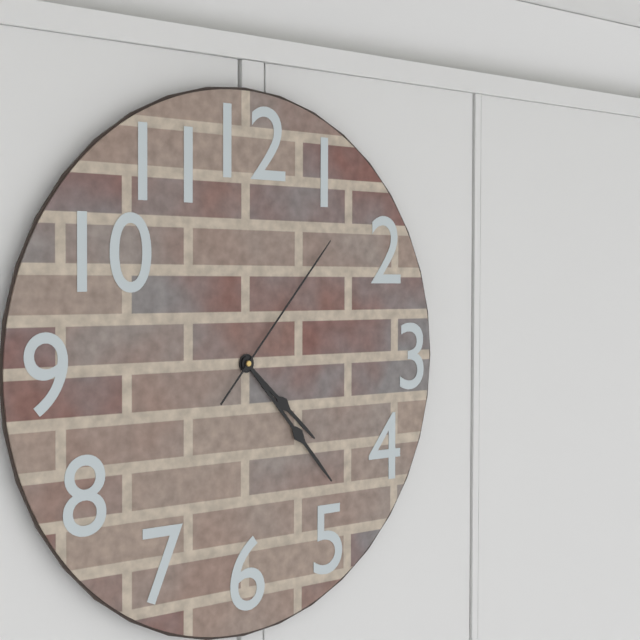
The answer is **4:23:07**
